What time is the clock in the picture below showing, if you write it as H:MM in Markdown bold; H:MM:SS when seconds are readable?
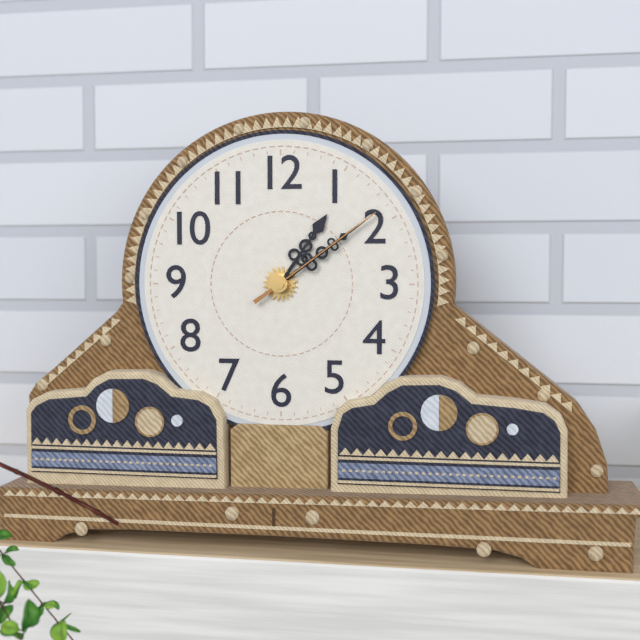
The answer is **1:09:09**
